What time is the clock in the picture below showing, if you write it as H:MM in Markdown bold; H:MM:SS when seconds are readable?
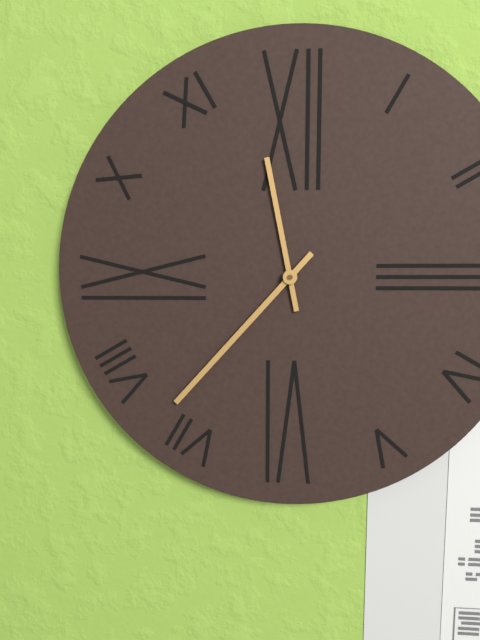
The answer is **11:37**
